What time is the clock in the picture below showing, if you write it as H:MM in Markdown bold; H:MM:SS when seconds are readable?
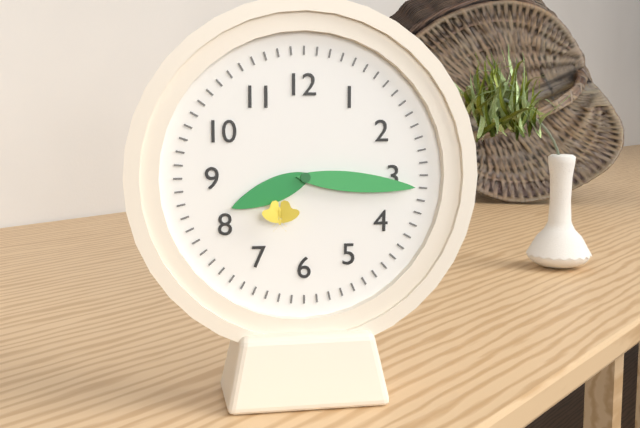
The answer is **8:16**
